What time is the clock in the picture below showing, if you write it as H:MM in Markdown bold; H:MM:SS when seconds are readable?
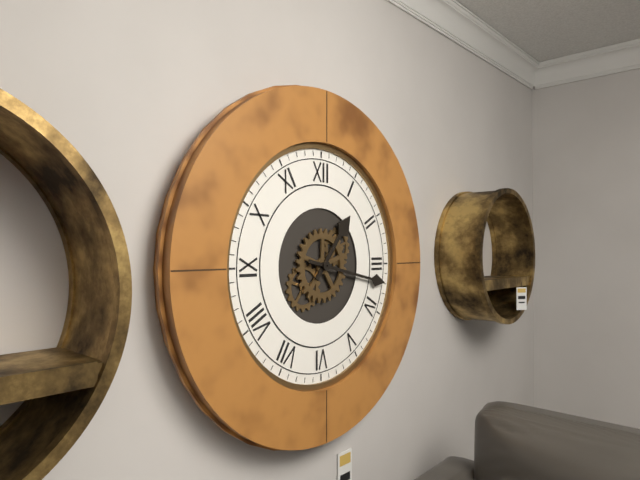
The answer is **1:17**
